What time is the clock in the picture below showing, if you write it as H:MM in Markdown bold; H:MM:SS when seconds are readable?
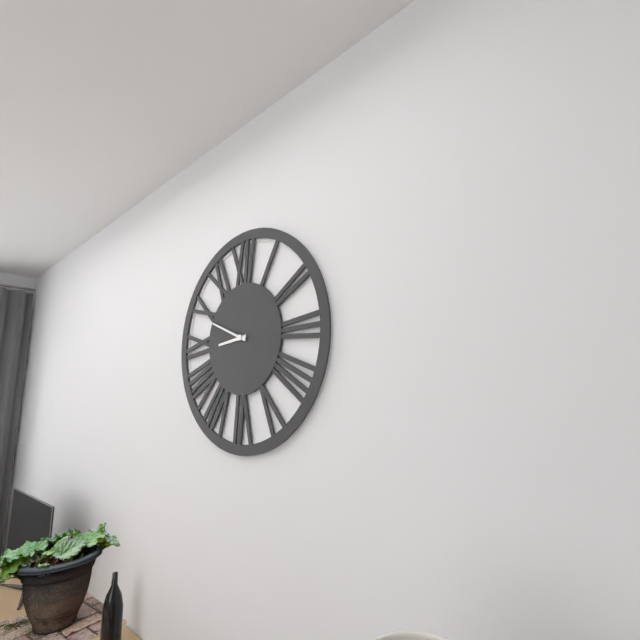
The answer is **8:49**
